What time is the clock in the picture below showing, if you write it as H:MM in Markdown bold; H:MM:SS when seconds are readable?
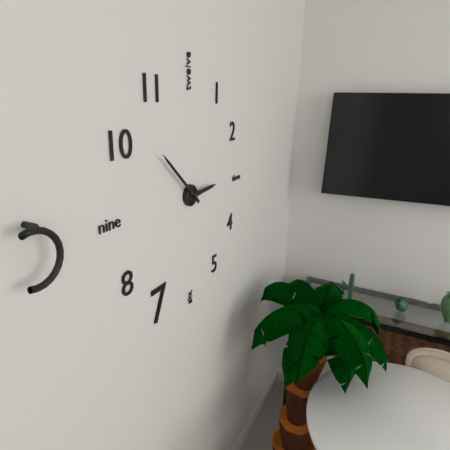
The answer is **2:52**
